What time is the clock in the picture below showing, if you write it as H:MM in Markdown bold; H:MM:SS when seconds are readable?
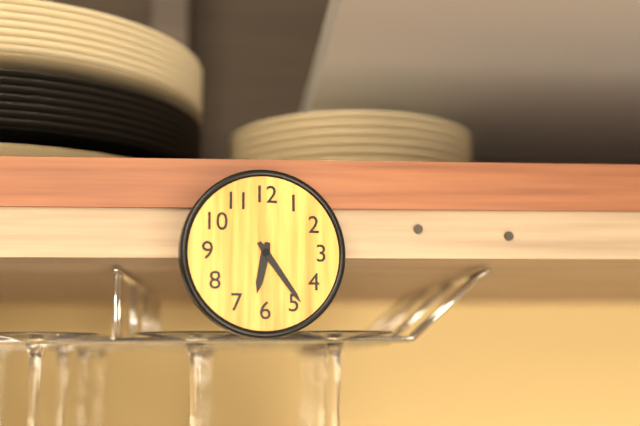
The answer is **6:24**
